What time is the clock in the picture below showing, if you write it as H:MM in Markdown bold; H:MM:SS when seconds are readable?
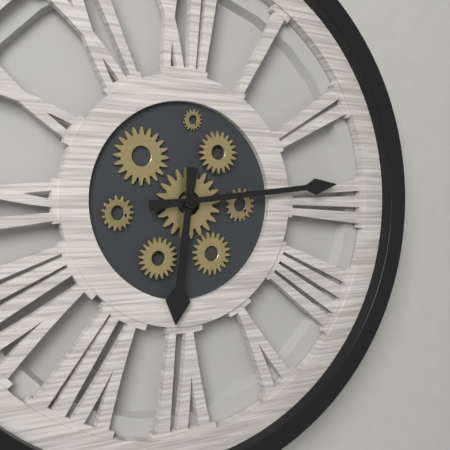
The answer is **6:14**
